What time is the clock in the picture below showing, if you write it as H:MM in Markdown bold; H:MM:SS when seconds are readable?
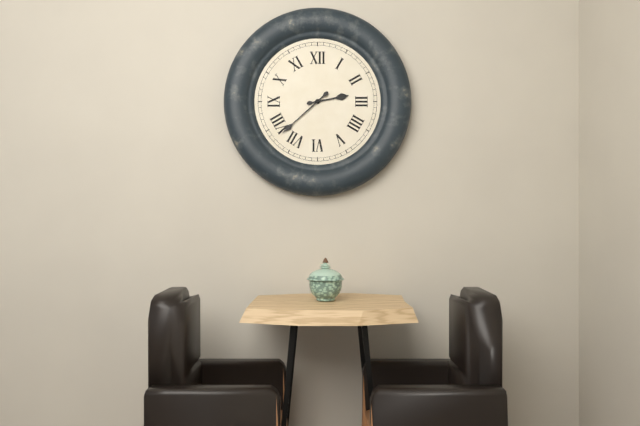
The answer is **2:38**
